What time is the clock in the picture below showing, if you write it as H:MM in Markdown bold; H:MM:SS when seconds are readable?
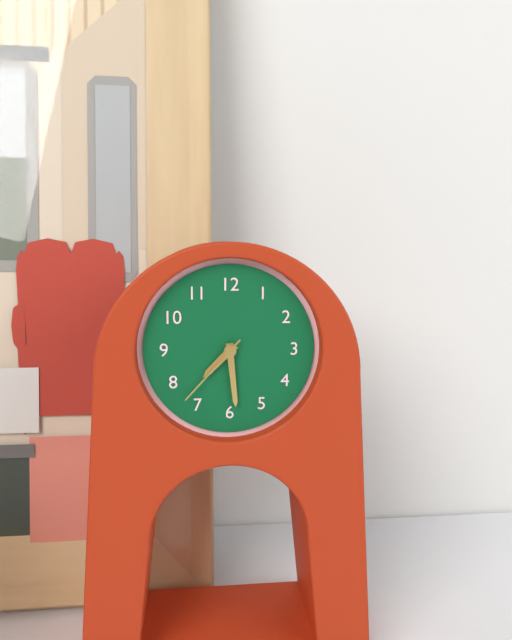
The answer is **7:29:37**
